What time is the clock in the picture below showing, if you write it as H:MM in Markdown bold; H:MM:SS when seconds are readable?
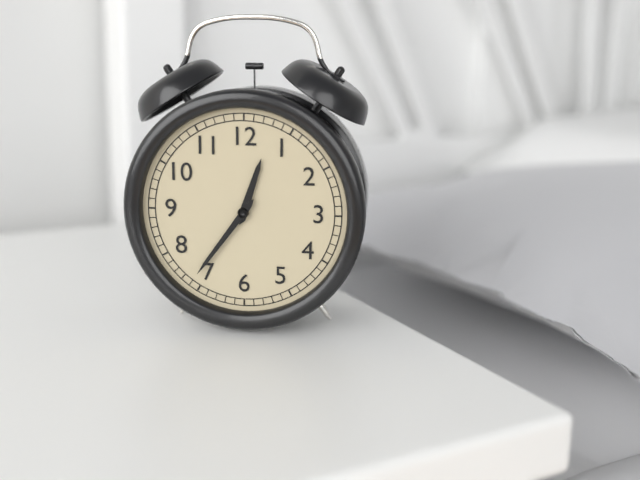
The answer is **12:36**
